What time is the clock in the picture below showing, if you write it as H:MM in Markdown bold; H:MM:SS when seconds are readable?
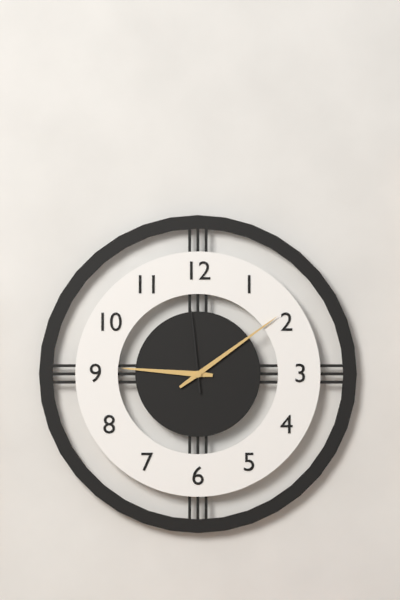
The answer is **9:09:59**
